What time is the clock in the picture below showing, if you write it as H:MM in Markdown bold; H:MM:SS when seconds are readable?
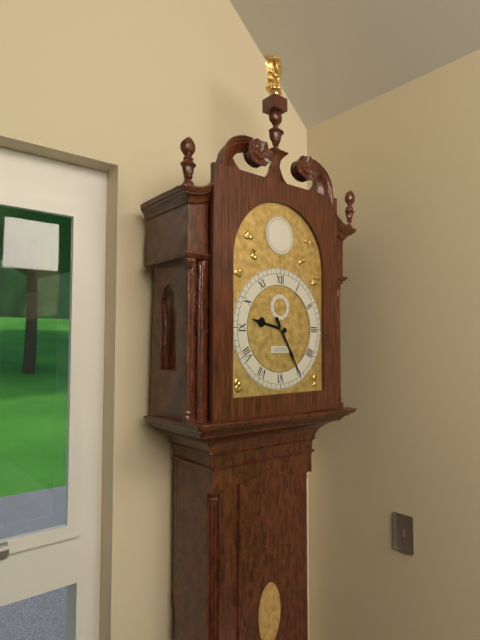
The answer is **9:25**
